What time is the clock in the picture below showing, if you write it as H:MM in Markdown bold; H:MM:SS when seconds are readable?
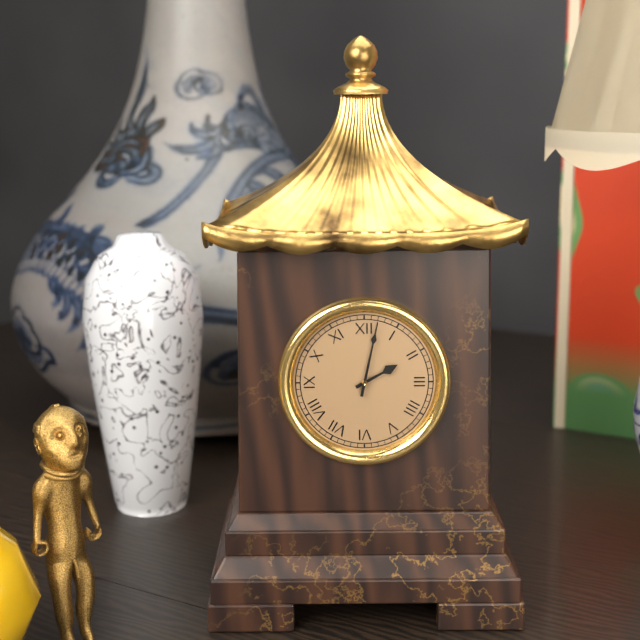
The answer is **2:02**
